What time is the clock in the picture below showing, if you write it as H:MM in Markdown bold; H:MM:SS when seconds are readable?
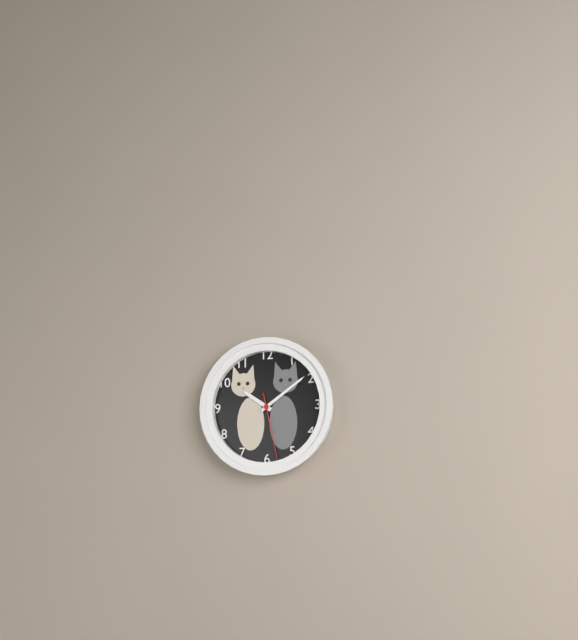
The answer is **10:09:28**
